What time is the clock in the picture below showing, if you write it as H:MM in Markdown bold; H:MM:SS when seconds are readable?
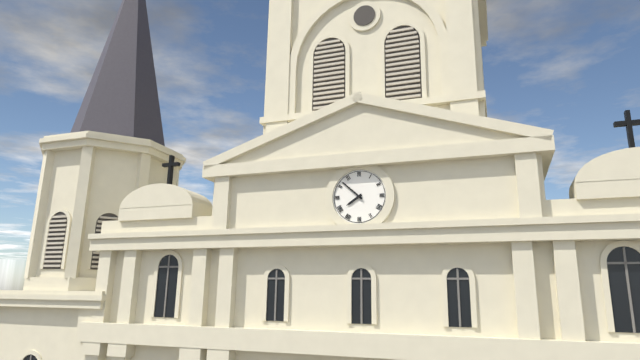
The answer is **7:52**
